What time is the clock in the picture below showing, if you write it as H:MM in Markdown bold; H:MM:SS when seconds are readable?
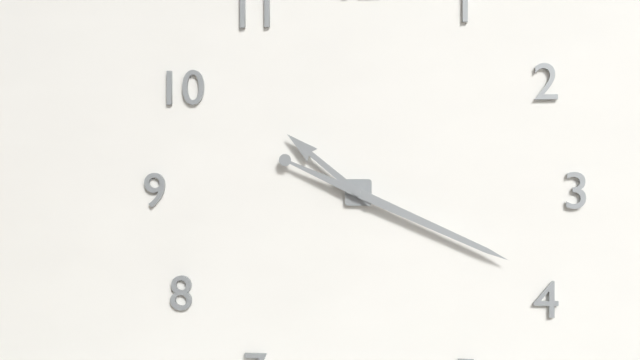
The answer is **10:19**
